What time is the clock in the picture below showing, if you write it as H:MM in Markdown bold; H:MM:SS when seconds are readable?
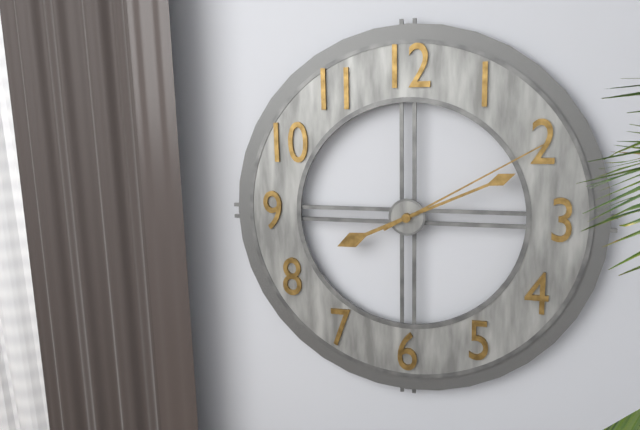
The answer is **8:11:10**
